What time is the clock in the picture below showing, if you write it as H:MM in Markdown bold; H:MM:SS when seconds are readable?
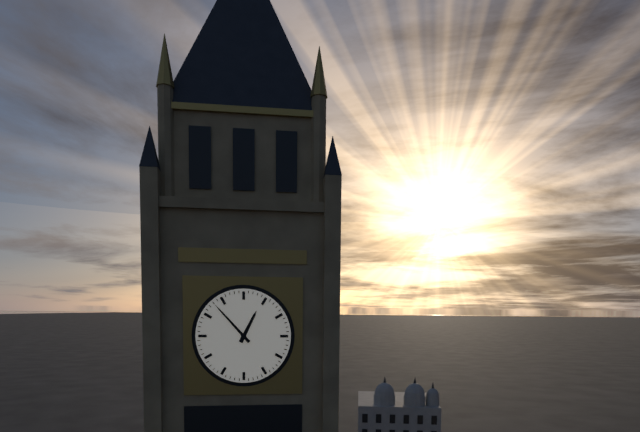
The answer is **12:53**
